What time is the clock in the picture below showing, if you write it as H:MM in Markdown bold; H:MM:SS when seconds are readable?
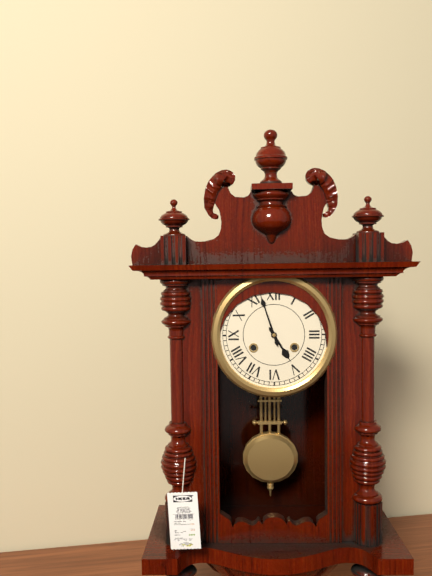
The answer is **4:57**
